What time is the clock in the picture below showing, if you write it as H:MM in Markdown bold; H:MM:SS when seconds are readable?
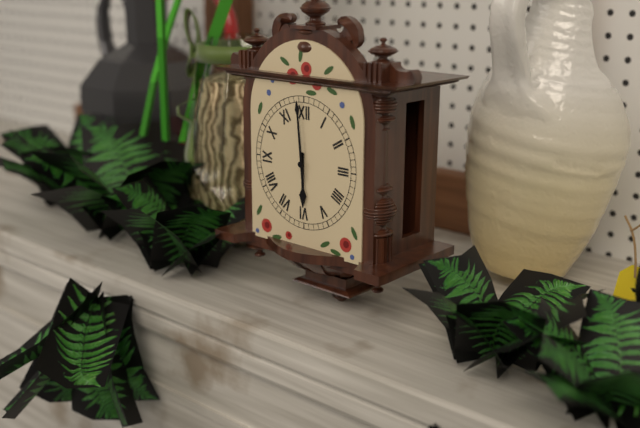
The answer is **5:59**
